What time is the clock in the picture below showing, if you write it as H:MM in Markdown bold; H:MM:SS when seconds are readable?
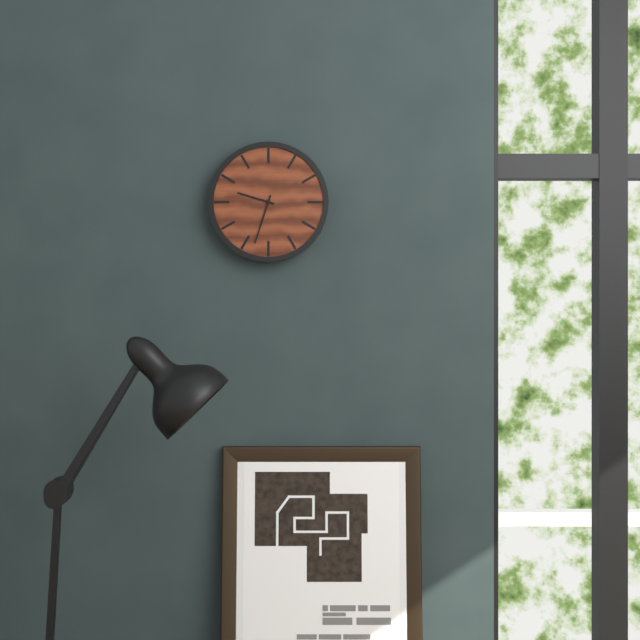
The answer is **9:33**
